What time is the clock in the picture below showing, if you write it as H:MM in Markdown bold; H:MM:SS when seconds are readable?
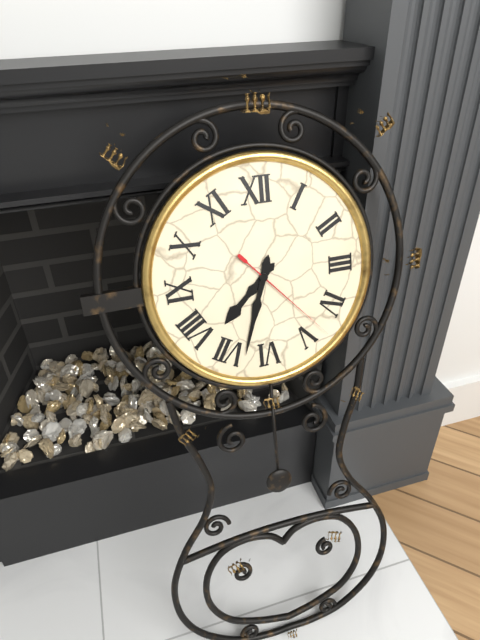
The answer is **7:33:23**
